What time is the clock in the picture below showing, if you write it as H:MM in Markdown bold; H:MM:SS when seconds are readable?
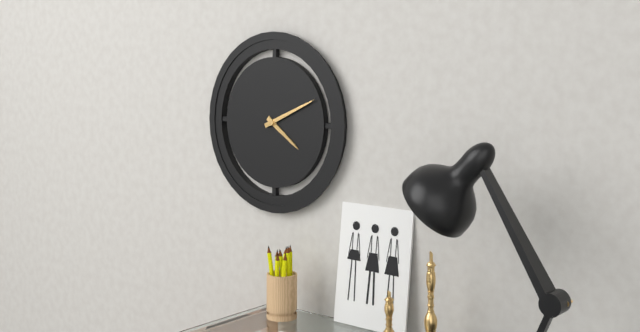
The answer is **4:11**
